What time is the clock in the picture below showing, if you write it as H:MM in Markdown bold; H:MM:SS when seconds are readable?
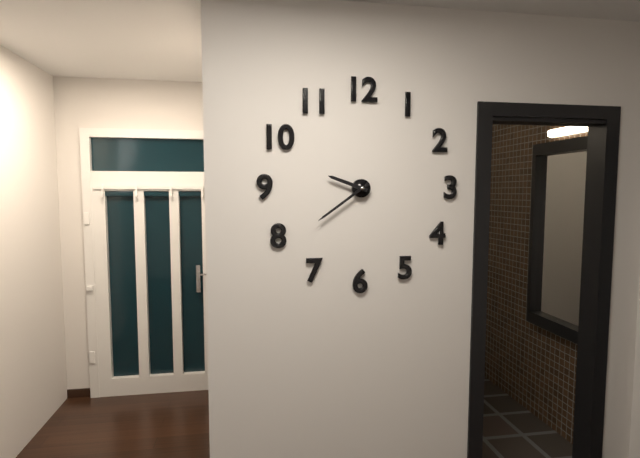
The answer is **9:39**
